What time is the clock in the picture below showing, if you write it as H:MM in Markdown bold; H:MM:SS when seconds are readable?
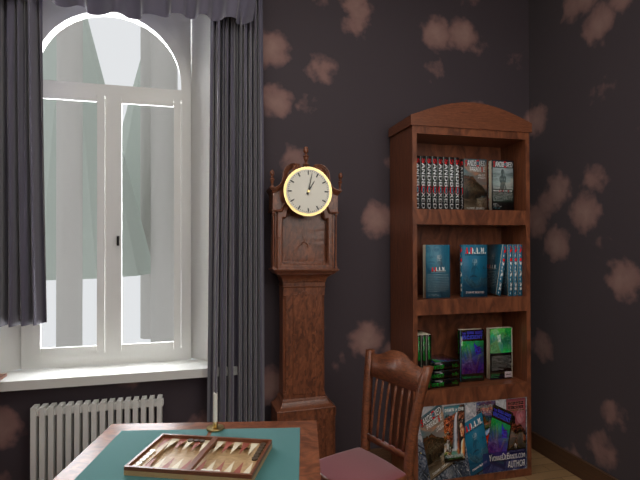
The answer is **1:02**
